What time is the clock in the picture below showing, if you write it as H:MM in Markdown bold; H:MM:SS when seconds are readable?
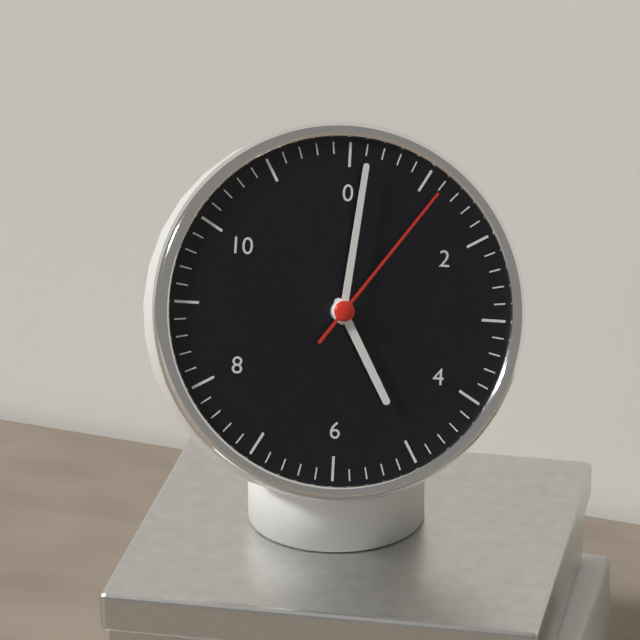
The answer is **5:01:06**
